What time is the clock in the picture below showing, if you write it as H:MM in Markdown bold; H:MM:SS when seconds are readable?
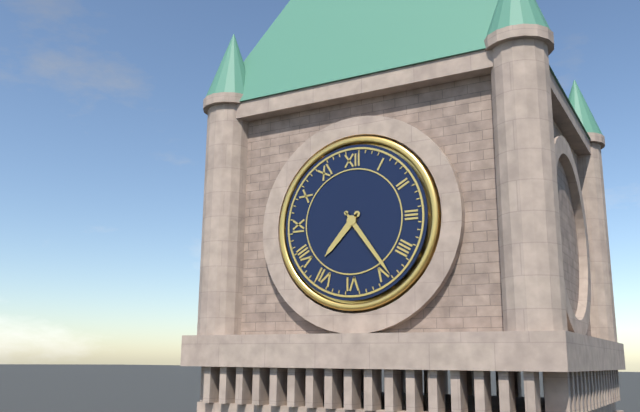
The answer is **7:24**
